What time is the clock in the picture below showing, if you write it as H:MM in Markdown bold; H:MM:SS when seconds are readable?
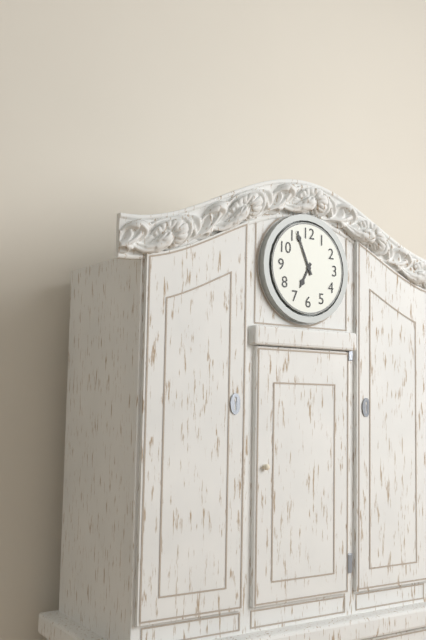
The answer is **6:56**
